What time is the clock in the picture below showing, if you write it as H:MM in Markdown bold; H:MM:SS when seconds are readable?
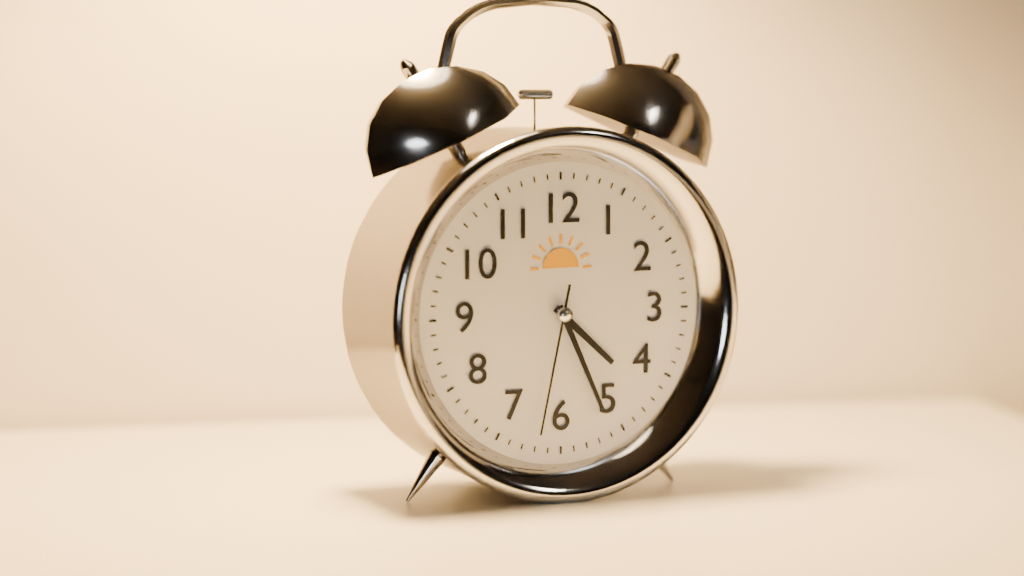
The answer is **4:26:32**
